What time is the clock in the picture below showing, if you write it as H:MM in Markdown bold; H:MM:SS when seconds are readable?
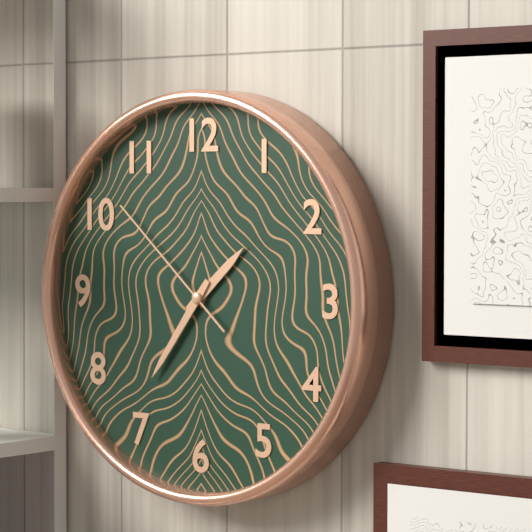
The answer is **1:36:52**
